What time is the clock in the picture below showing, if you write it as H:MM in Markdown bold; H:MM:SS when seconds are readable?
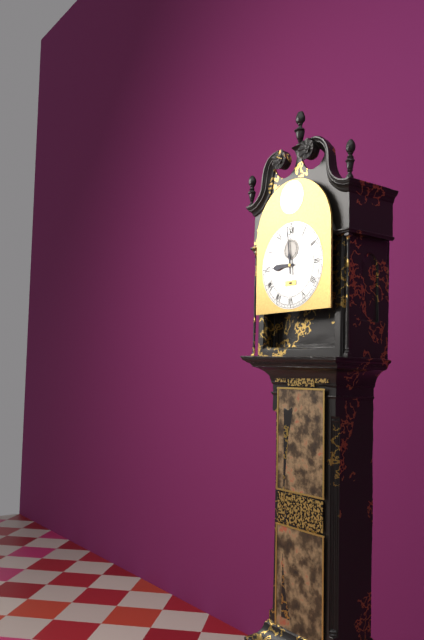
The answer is **8:59**
